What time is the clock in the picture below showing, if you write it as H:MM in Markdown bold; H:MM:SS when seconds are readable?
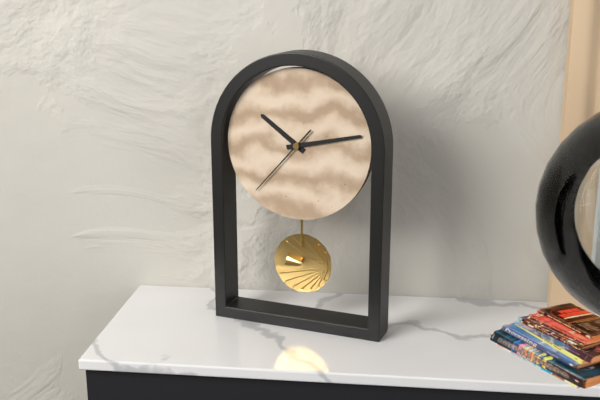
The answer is **10:13:37**
